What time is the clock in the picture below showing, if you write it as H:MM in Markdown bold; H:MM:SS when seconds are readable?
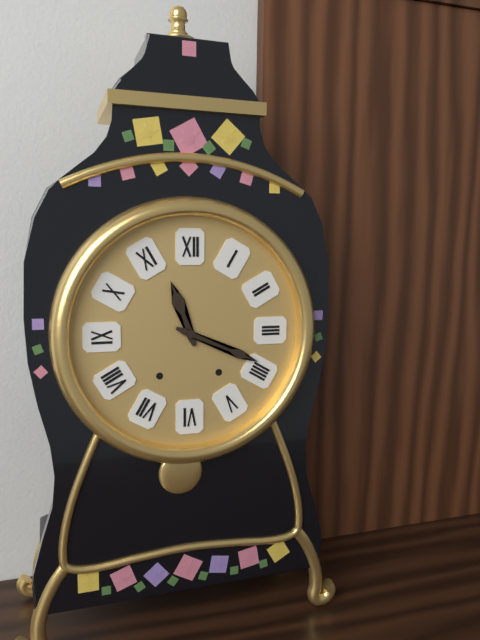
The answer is **11:19**
